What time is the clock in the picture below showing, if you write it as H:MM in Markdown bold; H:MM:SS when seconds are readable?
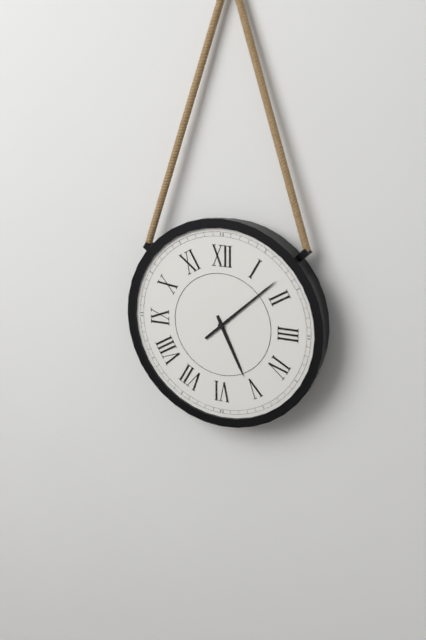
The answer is **5:08**
